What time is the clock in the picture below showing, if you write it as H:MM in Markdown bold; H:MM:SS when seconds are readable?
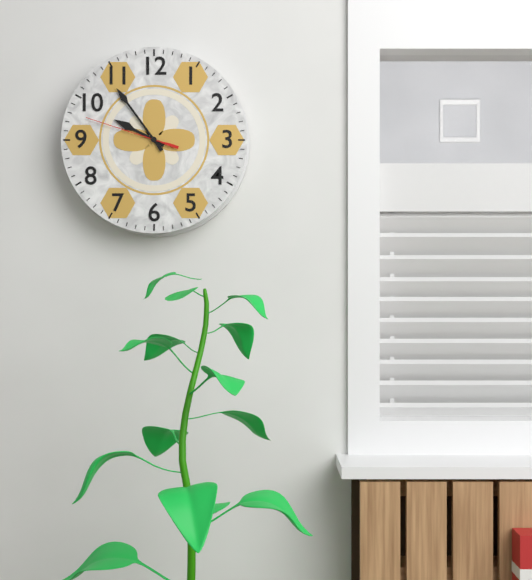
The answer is **9:54:48**
